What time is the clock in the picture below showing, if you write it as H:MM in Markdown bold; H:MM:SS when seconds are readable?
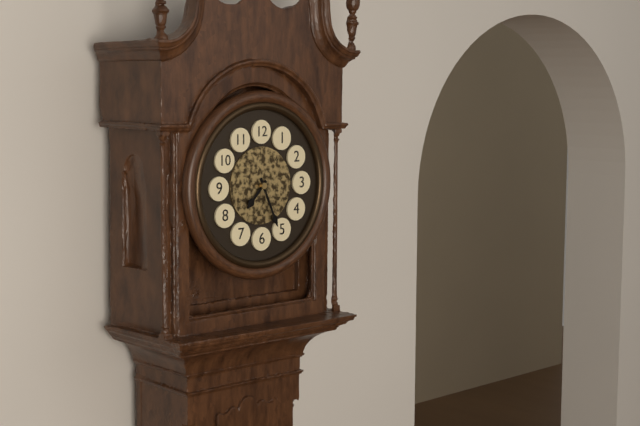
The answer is **7:26**
